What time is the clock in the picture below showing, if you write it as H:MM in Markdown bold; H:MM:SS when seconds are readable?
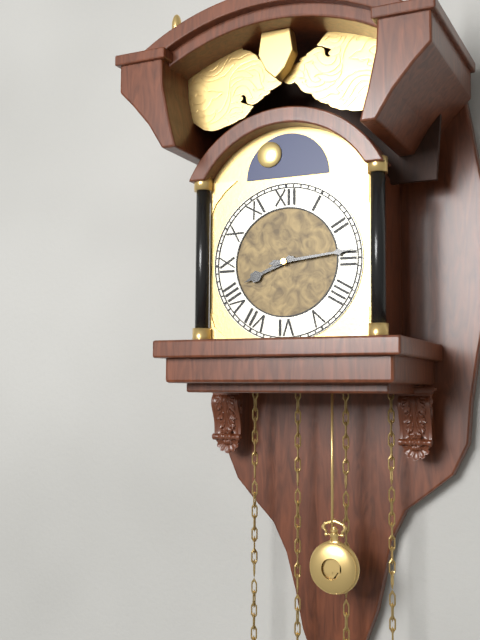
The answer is **8:14**
